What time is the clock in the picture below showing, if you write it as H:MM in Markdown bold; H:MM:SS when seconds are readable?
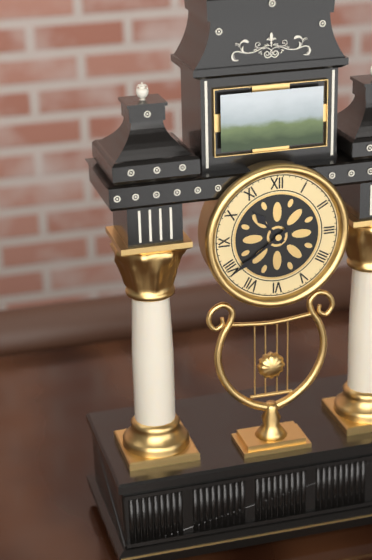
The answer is **10:39**
